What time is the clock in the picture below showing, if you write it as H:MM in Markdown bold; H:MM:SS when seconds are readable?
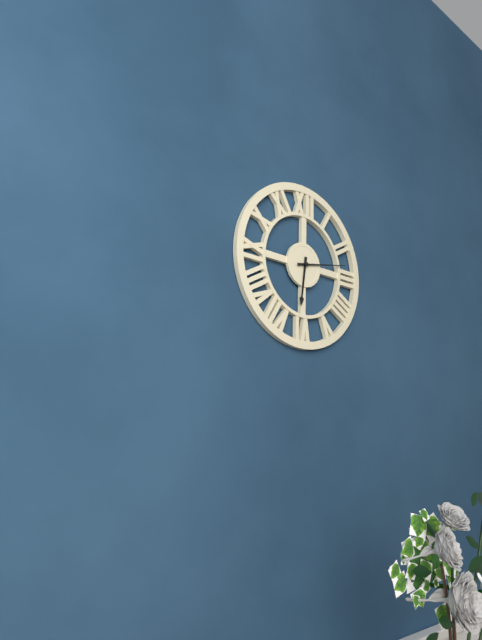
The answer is **6:13**
